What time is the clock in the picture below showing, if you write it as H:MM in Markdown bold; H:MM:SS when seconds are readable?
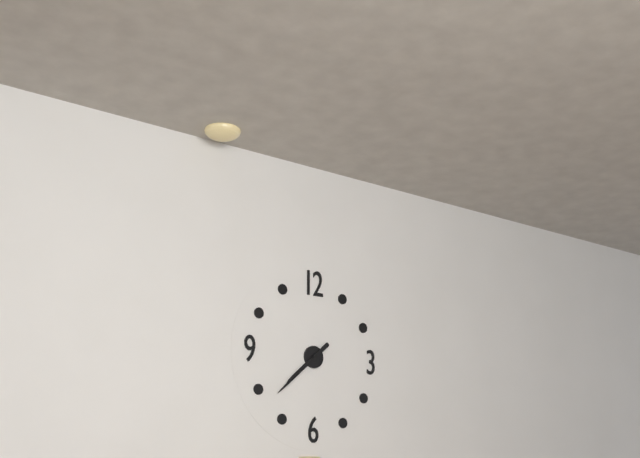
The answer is **7:38**
